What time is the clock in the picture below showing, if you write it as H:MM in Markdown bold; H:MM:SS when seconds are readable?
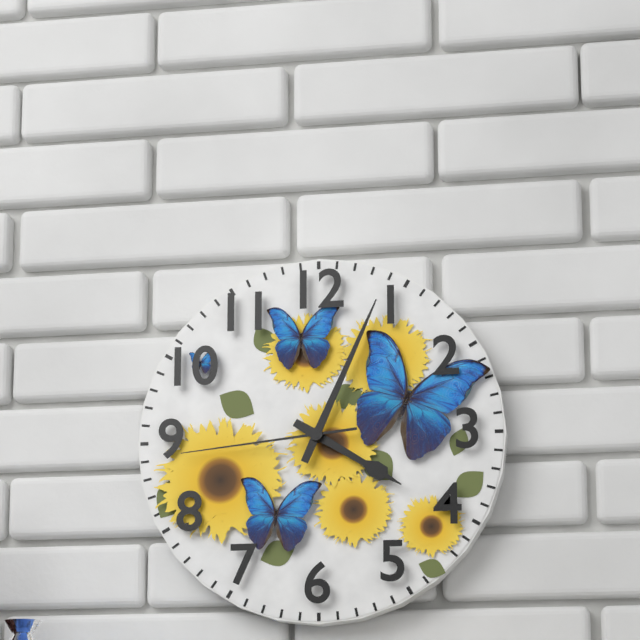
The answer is **4:04:44**
